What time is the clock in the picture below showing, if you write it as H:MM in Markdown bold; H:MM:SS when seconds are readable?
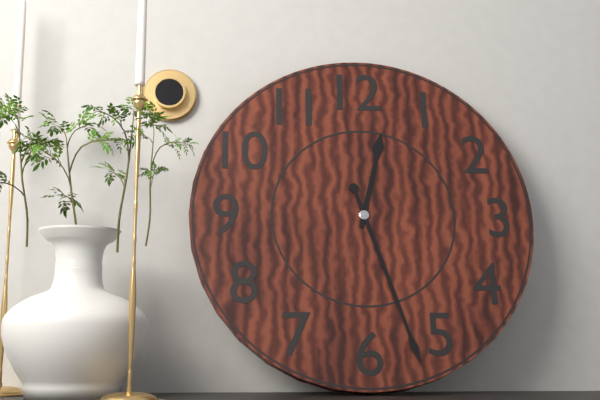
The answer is **12:27**
